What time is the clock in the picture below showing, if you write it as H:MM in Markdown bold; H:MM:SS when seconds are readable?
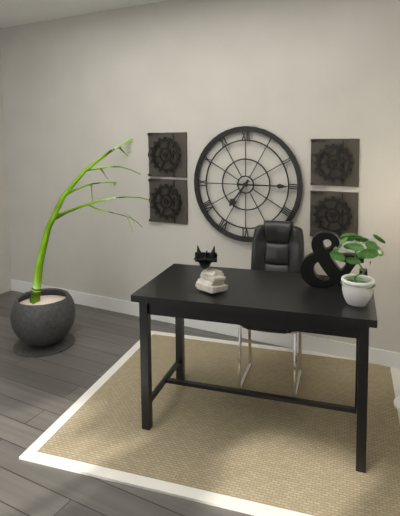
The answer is **7:15**
